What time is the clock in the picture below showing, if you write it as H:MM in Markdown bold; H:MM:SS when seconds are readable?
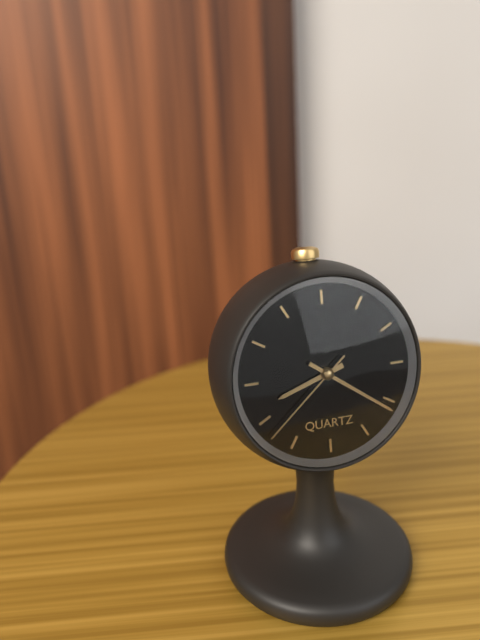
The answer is **8:21:38**
